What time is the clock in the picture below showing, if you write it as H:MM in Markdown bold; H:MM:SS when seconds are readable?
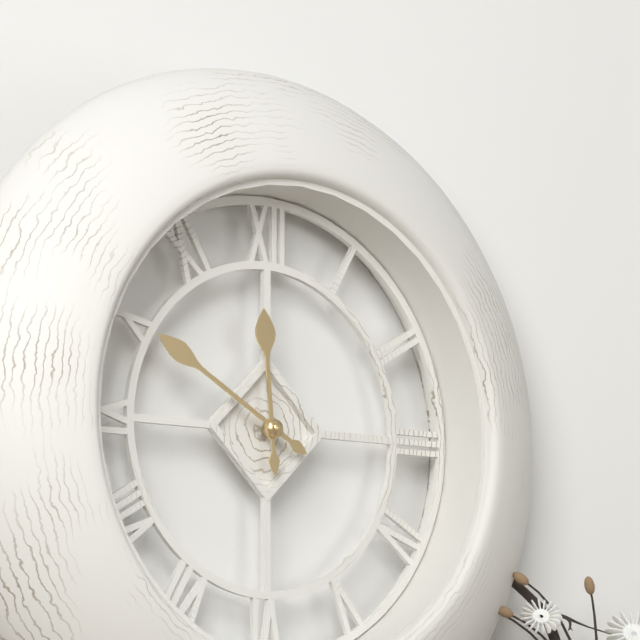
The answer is **11:50**
